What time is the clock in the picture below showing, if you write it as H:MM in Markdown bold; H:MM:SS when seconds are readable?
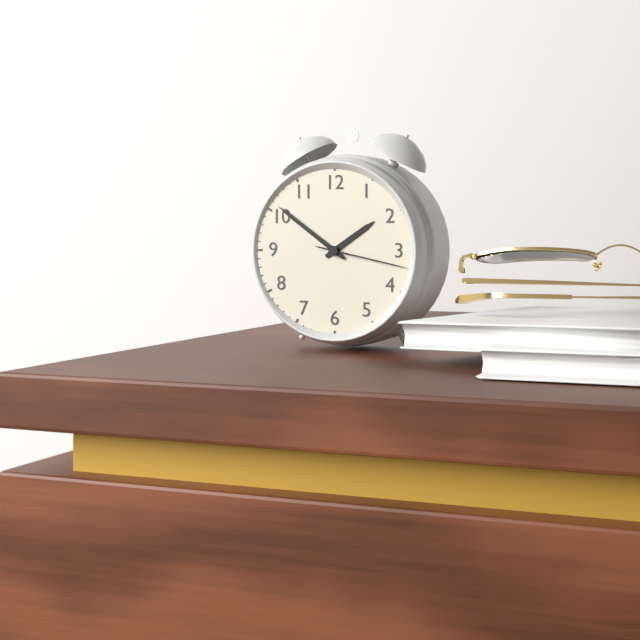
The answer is **1:51:17**
